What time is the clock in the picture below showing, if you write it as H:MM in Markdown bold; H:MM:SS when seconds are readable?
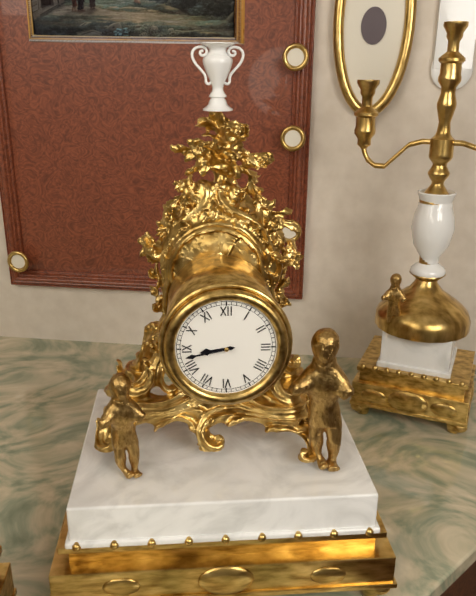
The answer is **8:43**
